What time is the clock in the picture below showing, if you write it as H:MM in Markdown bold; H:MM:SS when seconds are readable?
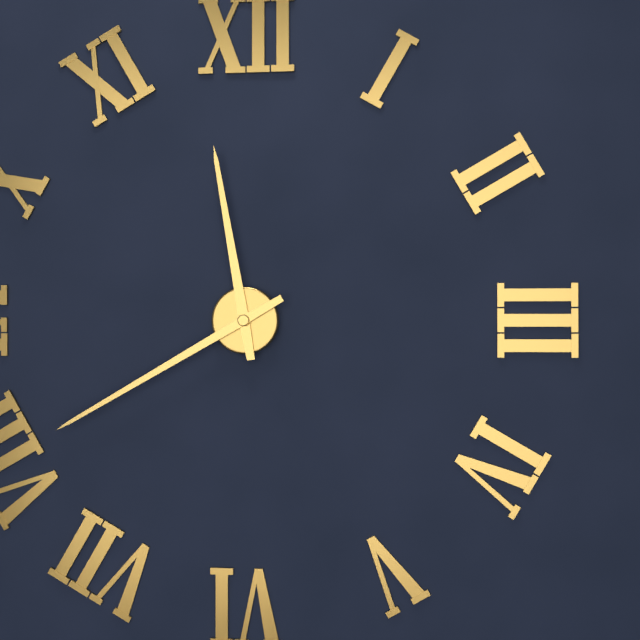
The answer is **11:40**
